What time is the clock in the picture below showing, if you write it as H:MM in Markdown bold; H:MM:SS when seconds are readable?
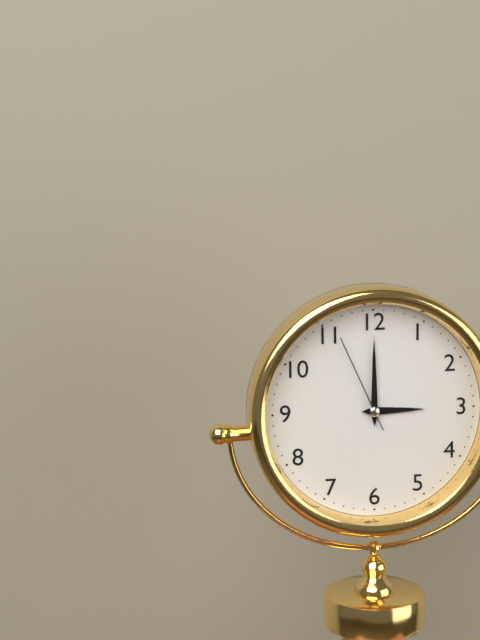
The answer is **3:00:56**
